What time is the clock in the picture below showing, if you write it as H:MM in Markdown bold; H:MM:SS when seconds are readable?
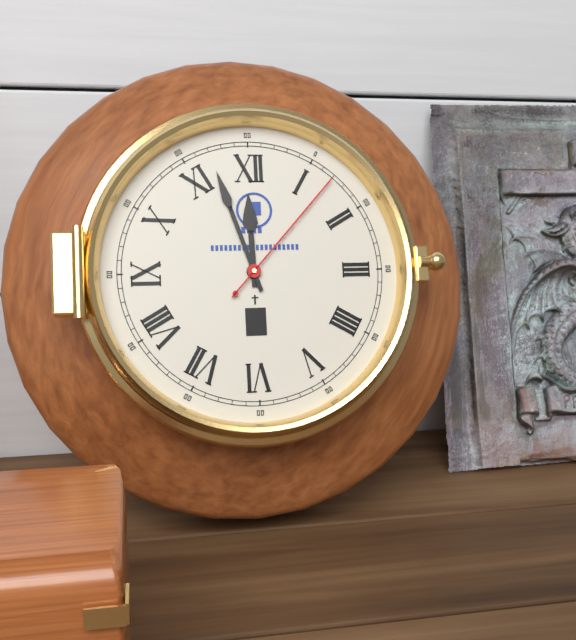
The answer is **11:57:07**
